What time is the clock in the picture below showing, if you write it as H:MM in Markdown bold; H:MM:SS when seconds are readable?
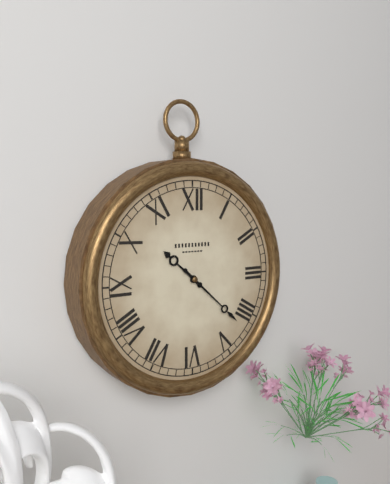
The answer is **10:22**
